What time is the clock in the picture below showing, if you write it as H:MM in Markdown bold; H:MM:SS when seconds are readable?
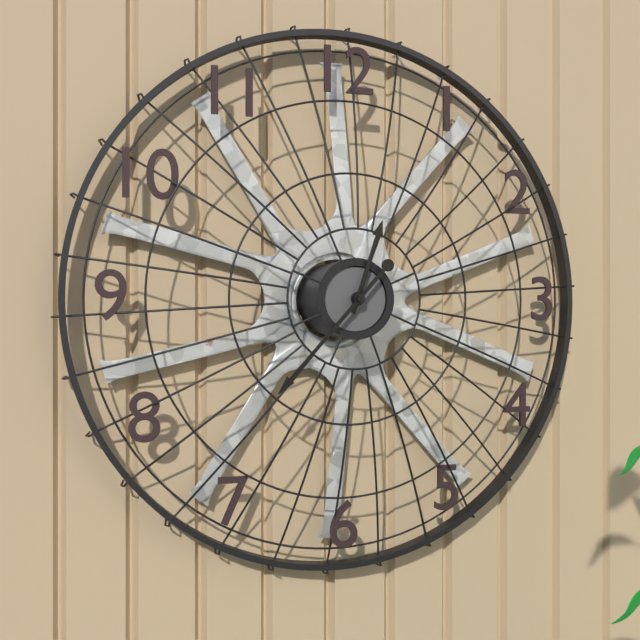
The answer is **12:37**
